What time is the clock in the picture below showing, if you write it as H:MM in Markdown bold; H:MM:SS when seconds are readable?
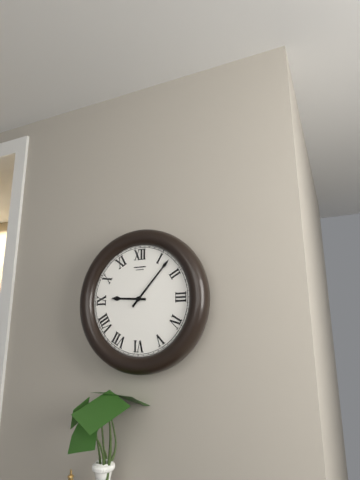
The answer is **9:07**
